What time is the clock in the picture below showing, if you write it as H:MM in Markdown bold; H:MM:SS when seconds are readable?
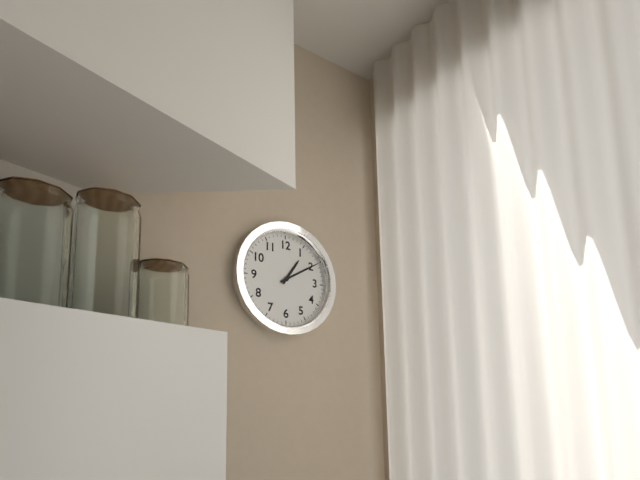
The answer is **1:10**
